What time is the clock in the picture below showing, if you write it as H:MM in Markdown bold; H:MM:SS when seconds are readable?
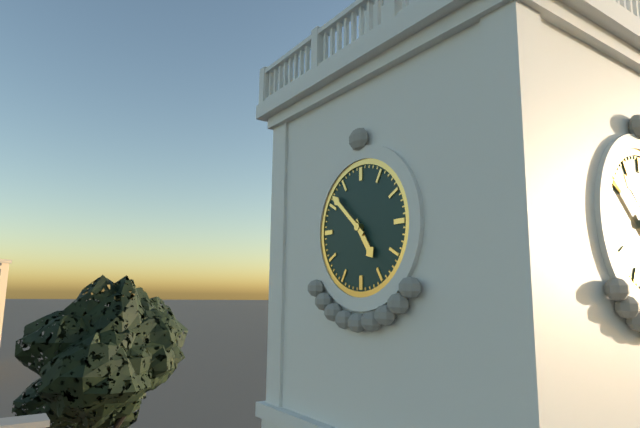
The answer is **4:52**
